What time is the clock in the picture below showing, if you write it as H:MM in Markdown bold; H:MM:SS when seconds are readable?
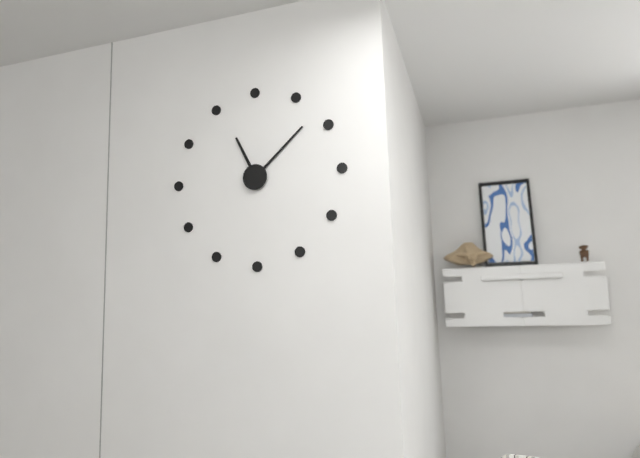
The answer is **11:08**
